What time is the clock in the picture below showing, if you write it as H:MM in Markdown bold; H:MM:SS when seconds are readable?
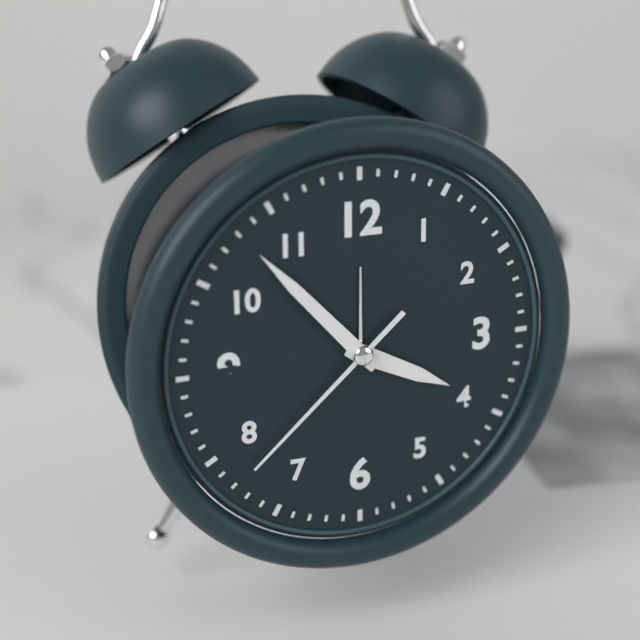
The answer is **3:53:38**
